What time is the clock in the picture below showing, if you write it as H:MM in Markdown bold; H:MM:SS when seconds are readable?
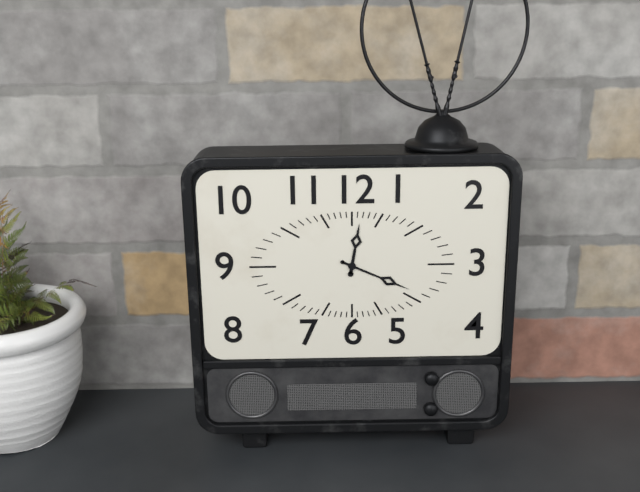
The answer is **12:19**
